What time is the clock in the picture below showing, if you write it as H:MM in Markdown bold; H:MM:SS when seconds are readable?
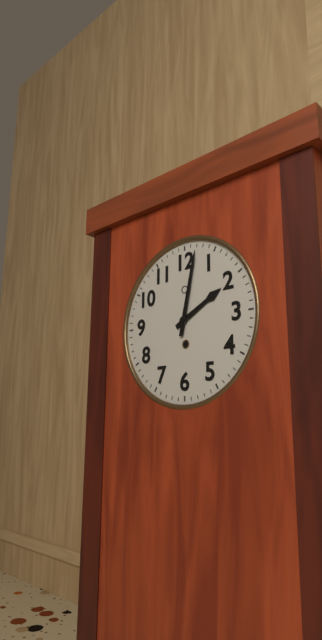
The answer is **2:02**
